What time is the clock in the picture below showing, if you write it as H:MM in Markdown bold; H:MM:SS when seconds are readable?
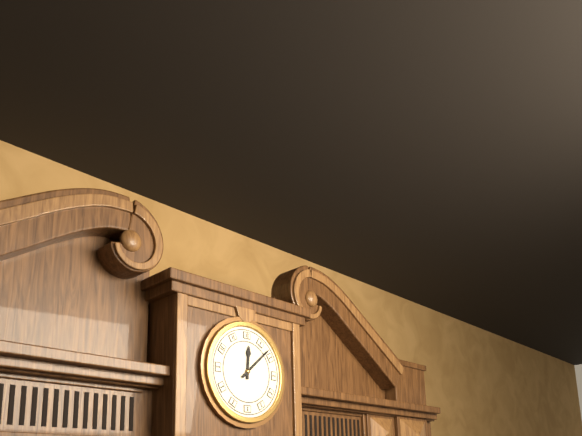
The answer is **12:08**
